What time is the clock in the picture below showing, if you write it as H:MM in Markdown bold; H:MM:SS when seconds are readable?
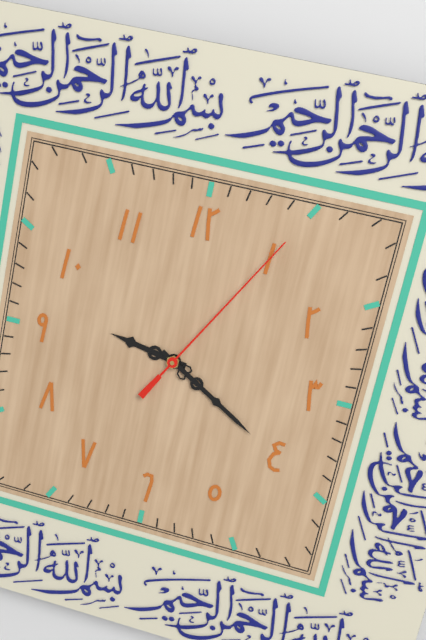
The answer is **9:20:05**
